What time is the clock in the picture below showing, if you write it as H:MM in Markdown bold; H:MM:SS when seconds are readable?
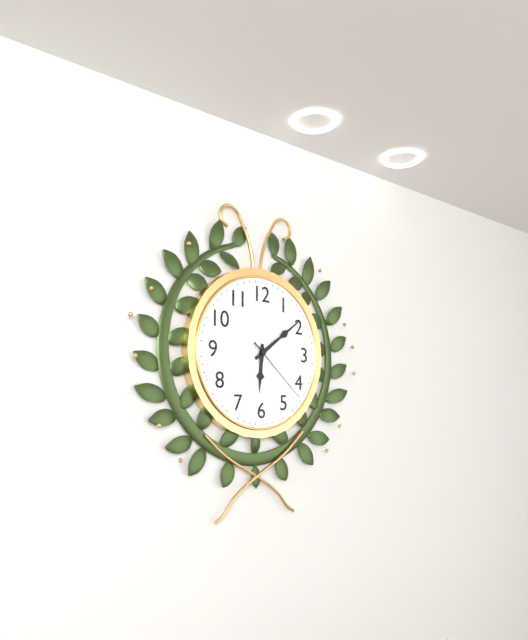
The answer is **6:09:22**
